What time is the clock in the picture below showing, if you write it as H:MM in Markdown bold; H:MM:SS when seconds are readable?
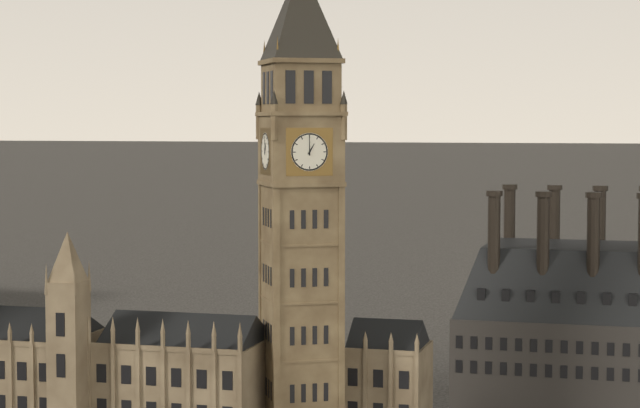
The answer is **1:00**
